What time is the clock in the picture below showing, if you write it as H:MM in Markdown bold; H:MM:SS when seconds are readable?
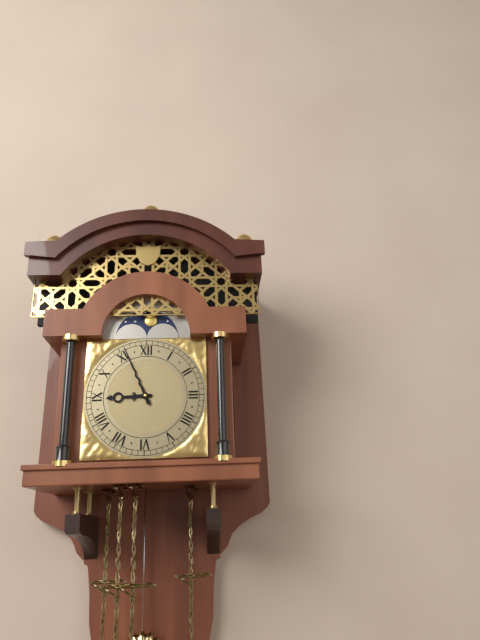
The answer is **8:56**
